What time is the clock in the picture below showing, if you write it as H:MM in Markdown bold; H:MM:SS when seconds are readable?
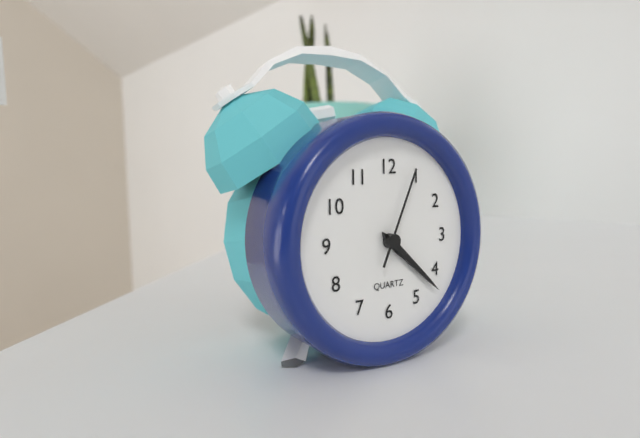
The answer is **4:22:04**
